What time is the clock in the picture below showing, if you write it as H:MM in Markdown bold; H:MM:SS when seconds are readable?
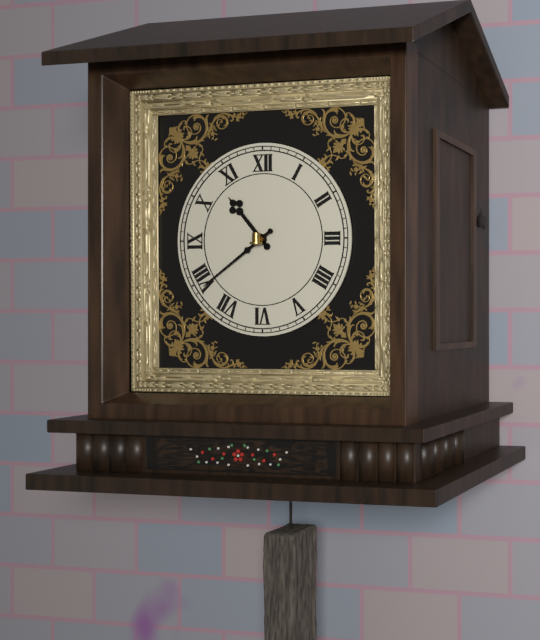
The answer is **10:39**
